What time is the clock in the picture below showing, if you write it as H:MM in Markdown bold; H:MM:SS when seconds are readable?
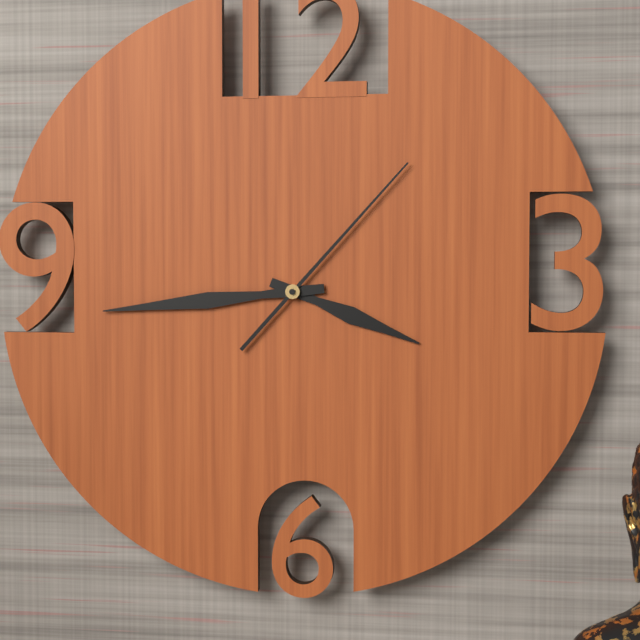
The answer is **3:44:07**
